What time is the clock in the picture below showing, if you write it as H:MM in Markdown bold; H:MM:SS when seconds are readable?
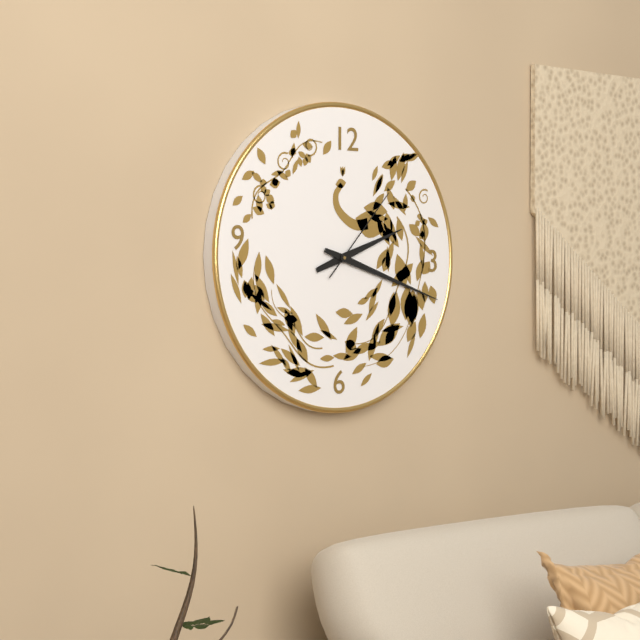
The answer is **2:18:07**
